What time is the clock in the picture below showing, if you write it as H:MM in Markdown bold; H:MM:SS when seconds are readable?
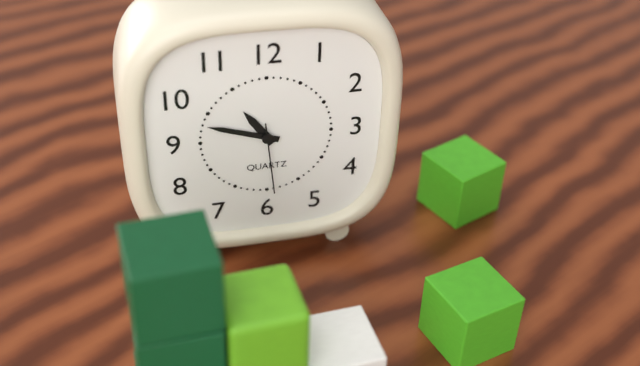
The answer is **10:48:29**
